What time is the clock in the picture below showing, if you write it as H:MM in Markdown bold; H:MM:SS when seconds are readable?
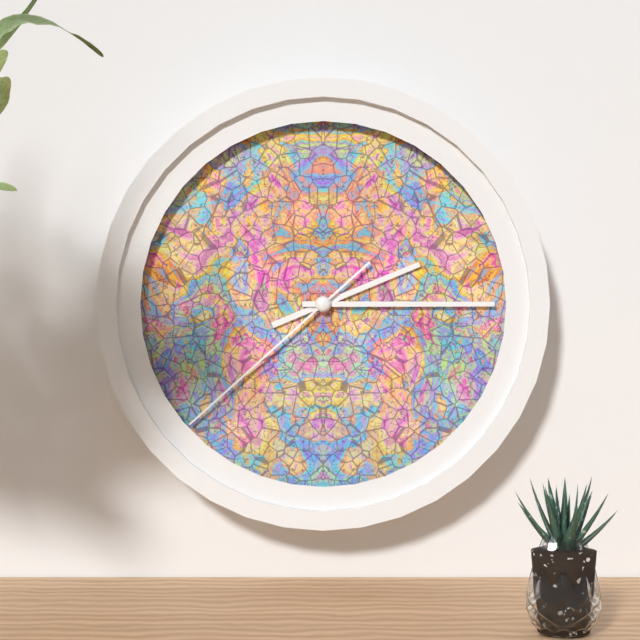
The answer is **2:15:38**
